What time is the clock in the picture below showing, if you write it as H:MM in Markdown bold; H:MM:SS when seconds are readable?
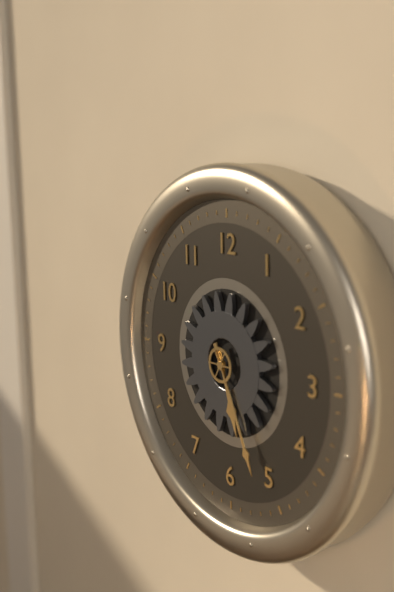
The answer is **5:26**
